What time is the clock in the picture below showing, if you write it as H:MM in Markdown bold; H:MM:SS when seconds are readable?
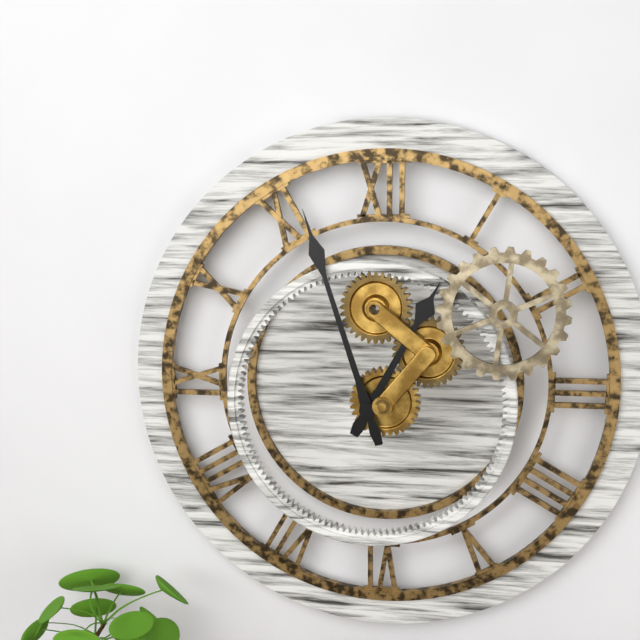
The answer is **12:57**
